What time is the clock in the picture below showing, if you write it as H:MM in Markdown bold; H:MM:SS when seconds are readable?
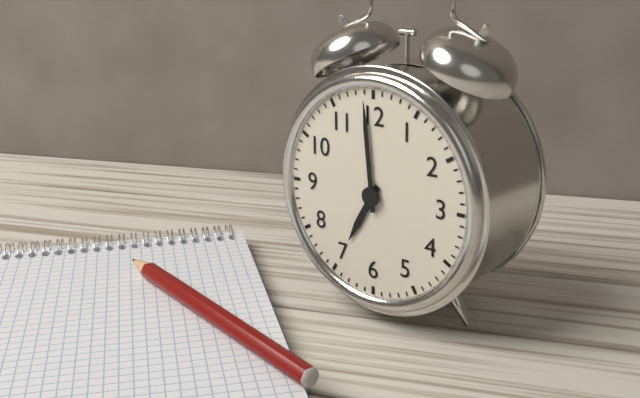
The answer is **6:59**
